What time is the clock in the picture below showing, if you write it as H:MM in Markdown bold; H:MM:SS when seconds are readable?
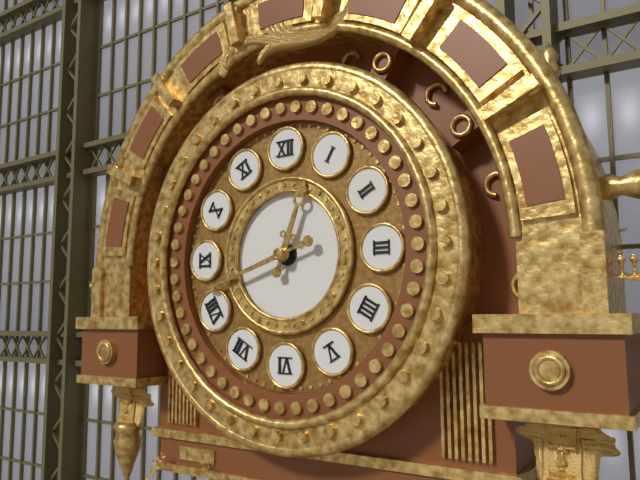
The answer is **12:42**
